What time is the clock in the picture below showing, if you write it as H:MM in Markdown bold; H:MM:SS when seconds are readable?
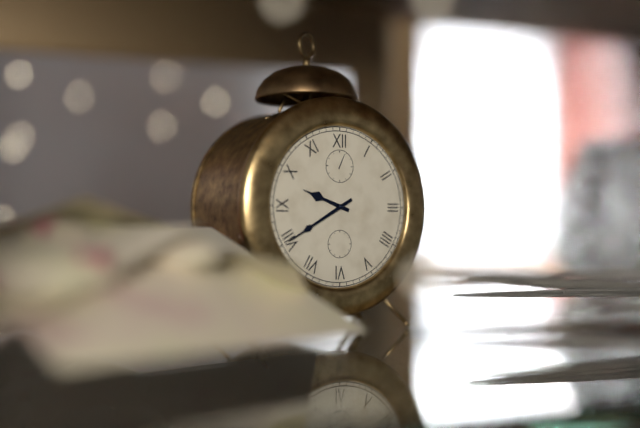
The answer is **9:40**
